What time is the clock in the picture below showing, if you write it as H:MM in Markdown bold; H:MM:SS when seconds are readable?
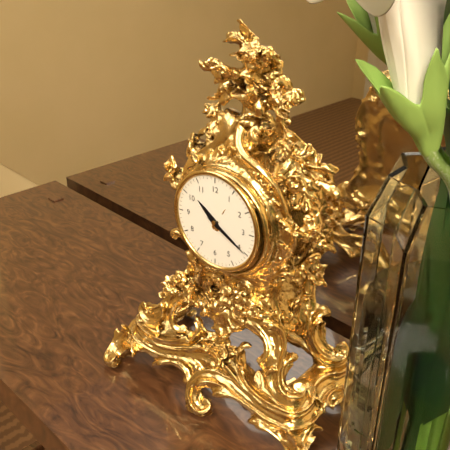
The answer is **10:20**
